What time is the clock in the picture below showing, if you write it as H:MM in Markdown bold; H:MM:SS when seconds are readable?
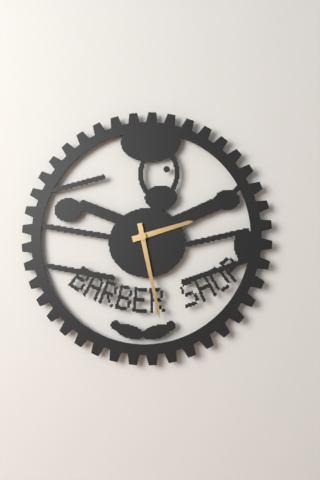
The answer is **2:28**
